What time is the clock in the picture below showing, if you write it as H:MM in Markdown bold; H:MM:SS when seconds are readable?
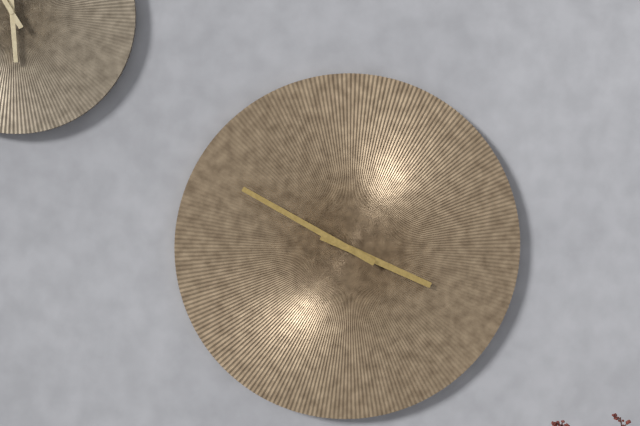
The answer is **3:50**
